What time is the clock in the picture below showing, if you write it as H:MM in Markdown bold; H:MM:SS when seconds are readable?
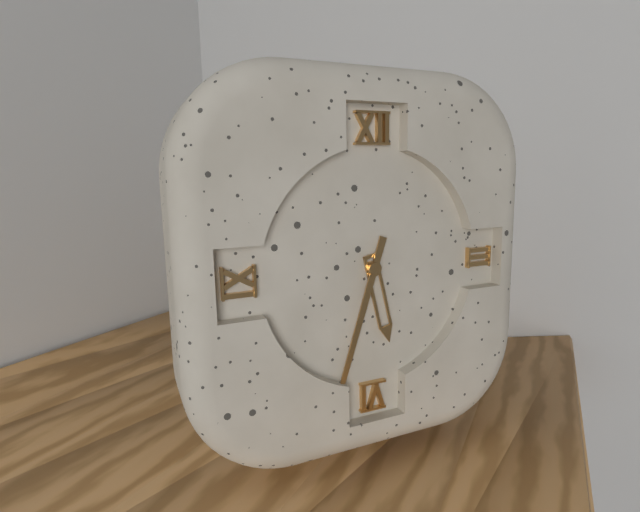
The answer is **5:33**
